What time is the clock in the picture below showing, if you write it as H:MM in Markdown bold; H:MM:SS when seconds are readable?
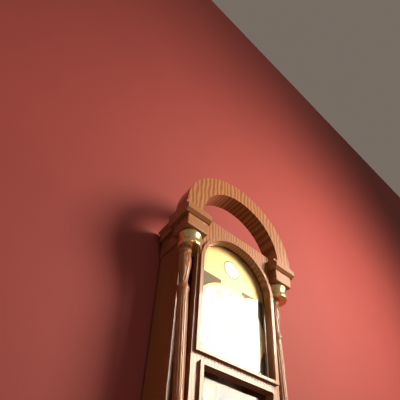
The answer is **9:18**
